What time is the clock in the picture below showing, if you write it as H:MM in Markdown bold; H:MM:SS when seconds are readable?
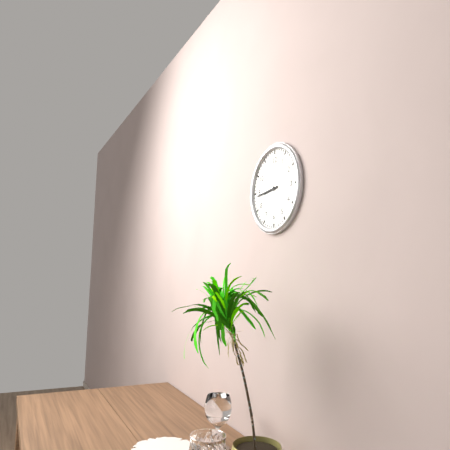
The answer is **8:44**
